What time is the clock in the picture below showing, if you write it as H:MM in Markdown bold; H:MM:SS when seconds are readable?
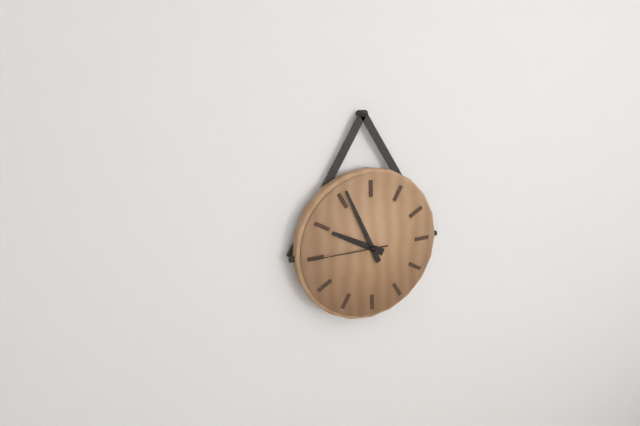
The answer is **9:56:45**
